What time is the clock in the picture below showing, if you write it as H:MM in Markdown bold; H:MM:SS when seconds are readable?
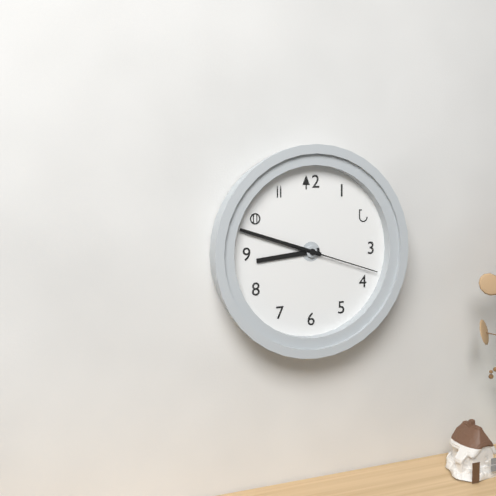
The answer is **8:48:18**
